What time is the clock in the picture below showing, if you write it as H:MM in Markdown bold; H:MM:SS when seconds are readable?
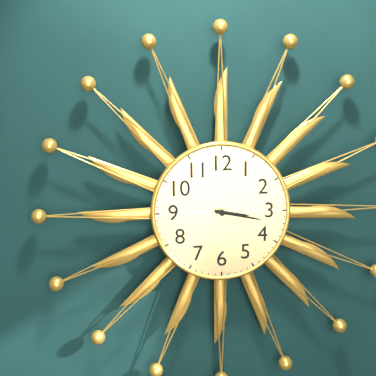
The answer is **3:17**
